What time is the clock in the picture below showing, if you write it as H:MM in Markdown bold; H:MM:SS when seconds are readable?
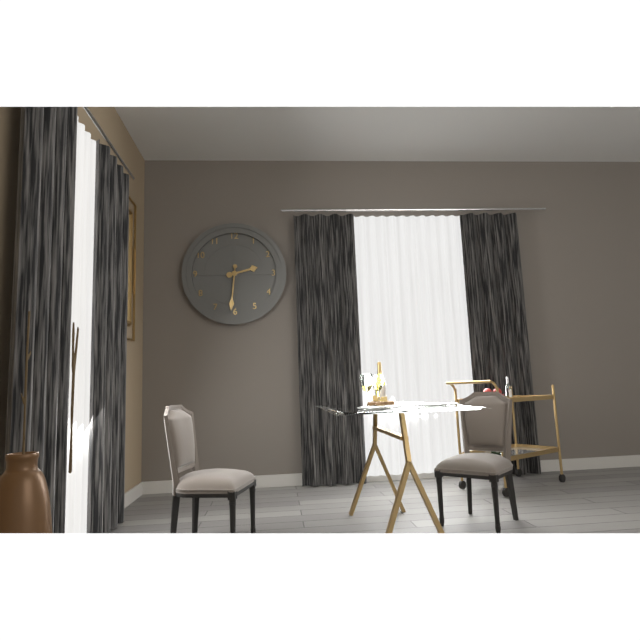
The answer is **2:31**
